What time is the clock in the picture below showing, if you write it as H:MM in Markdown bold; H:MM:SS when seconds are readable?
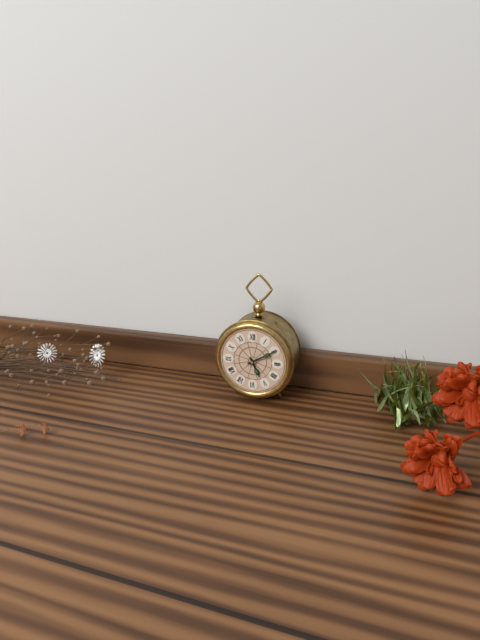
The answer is **5:10**
